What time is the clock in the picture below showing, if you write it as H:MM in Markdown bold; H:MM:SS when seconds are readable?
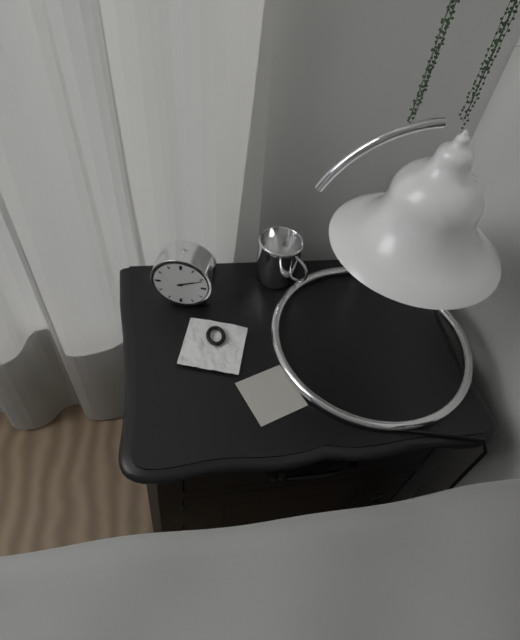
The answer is **2:11**
